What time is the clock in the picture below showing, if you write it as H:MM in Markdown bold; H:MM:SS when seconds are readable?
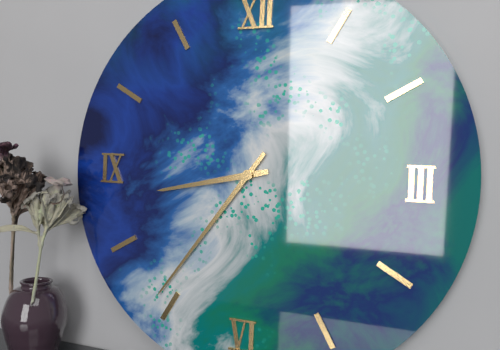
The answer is **8:36**
